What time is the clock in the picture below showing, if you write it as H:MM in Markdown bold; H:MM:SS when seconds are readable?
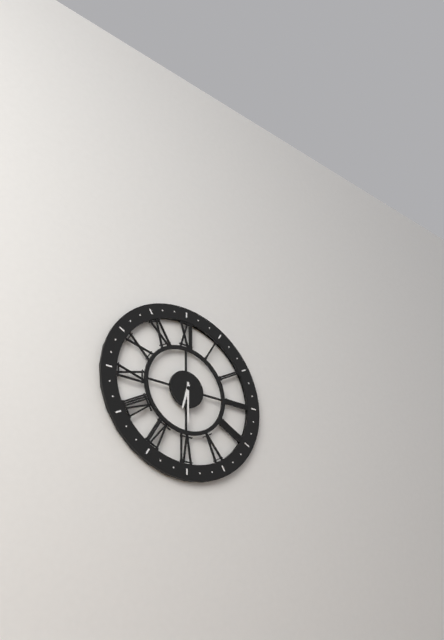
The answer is **6:30**
